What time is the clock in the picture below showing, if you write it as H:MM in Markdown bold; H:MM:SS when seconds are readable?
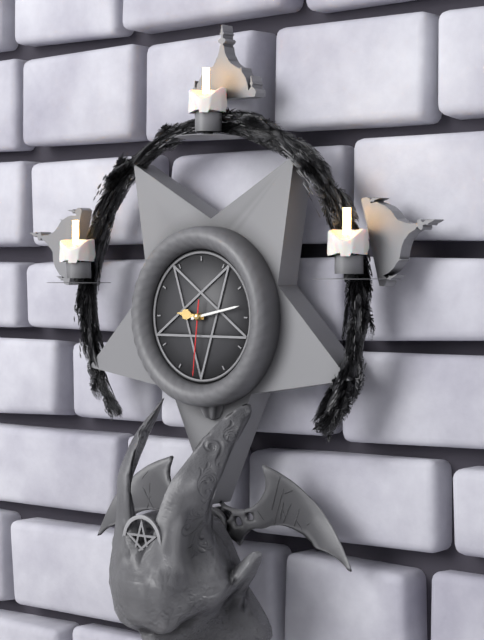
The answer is **9:13:31**
